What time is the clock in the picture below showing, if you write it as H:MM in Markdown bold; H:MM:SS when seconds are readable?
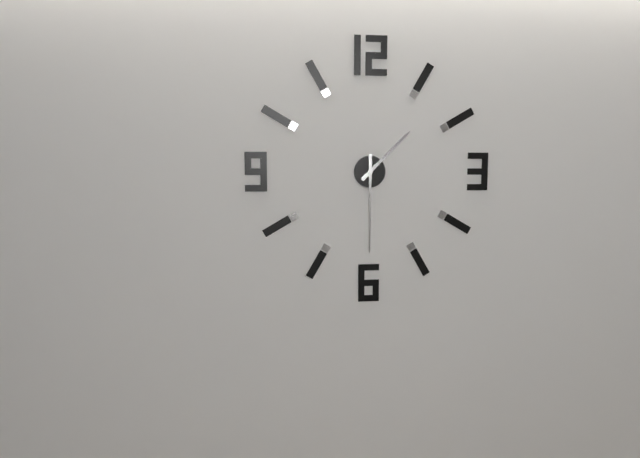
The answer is **1:30**
